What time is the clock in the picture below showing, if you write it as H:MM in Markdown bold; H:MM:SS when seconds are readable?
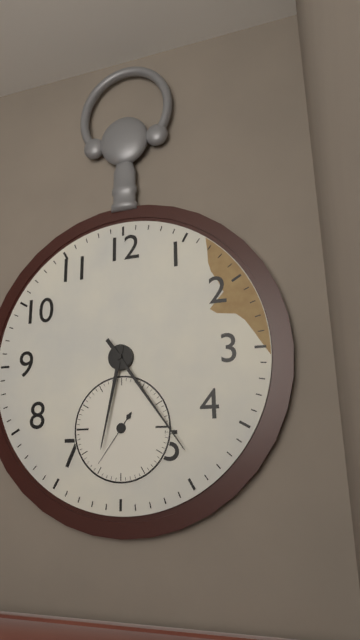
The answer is **6:24:36**
